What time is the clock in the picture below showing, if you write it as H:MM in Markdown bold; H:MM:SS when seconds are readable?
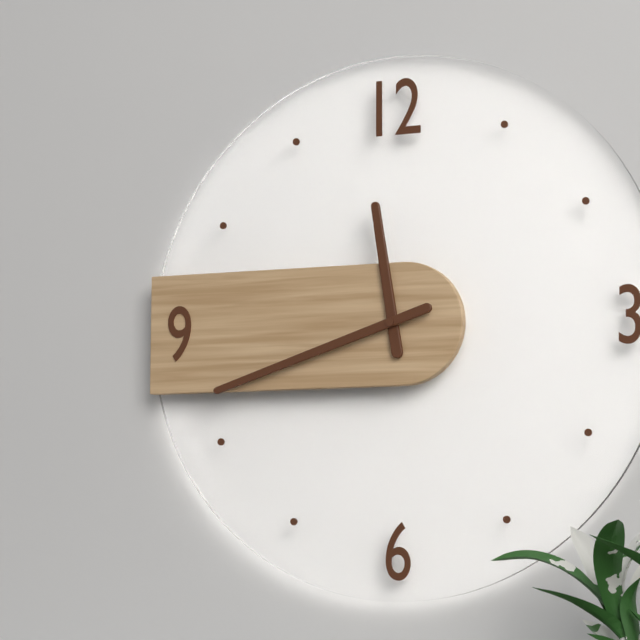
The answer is **11:42**
